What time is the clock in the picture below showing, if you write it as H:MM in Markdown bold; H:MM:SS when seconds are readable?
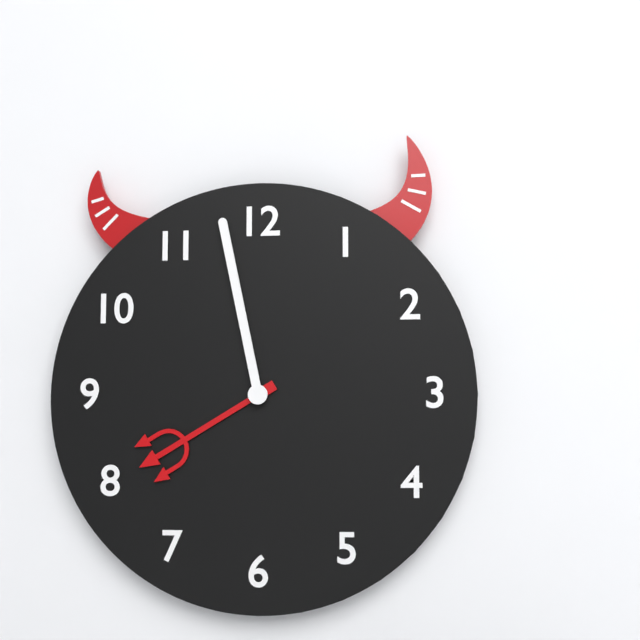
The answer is **7:58**
